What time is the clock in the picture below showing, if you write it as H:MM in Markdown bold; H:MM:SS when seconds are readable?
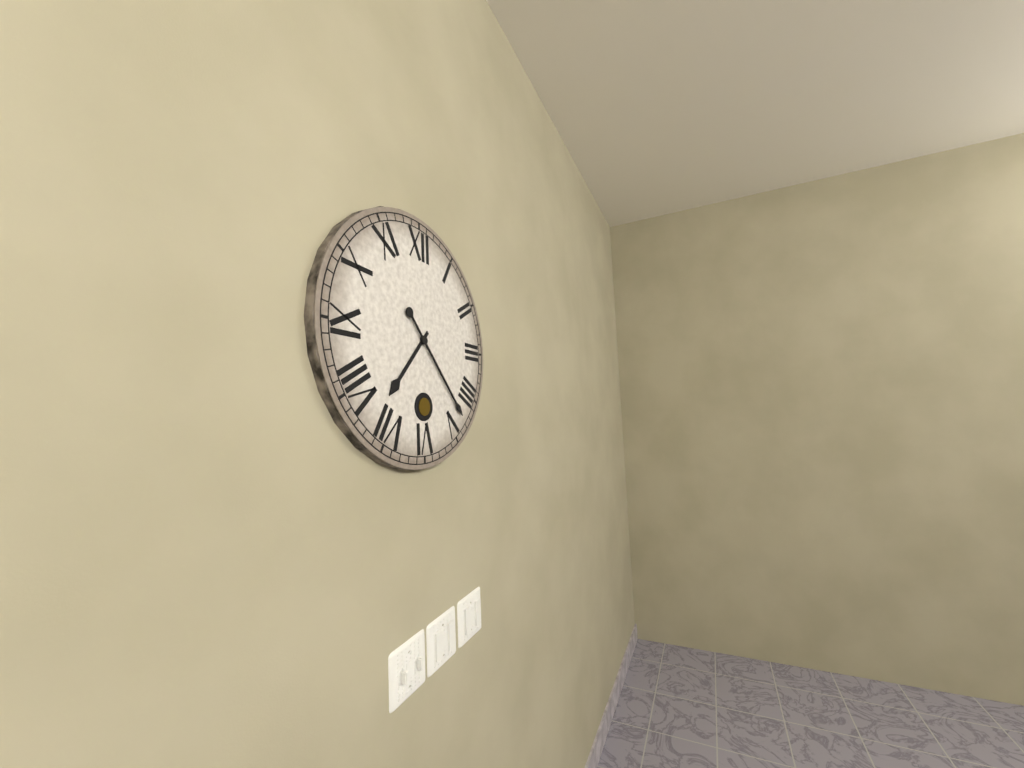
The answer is **7:23**
